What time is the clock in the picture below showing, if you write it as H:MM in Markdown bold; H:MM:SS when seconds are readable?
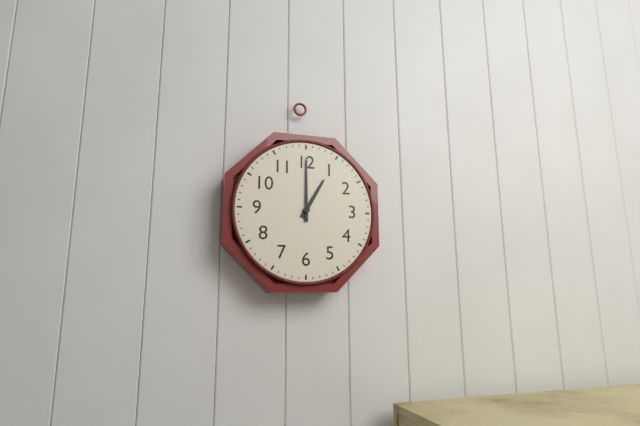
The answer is **1:00**
